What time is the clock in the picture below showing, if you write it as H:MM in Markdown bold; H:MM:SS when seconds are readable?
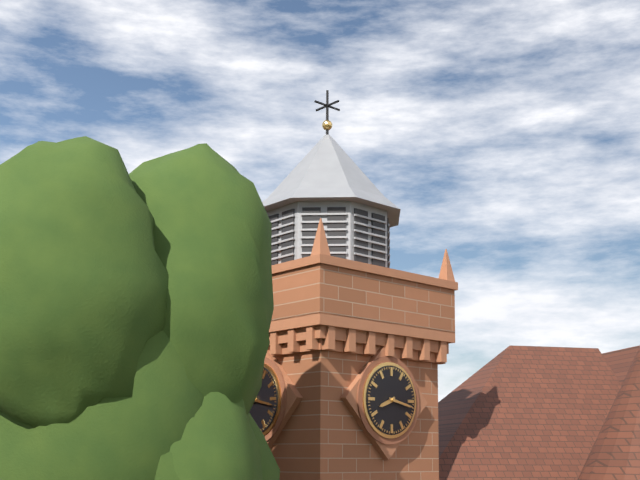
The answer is **8:17**
